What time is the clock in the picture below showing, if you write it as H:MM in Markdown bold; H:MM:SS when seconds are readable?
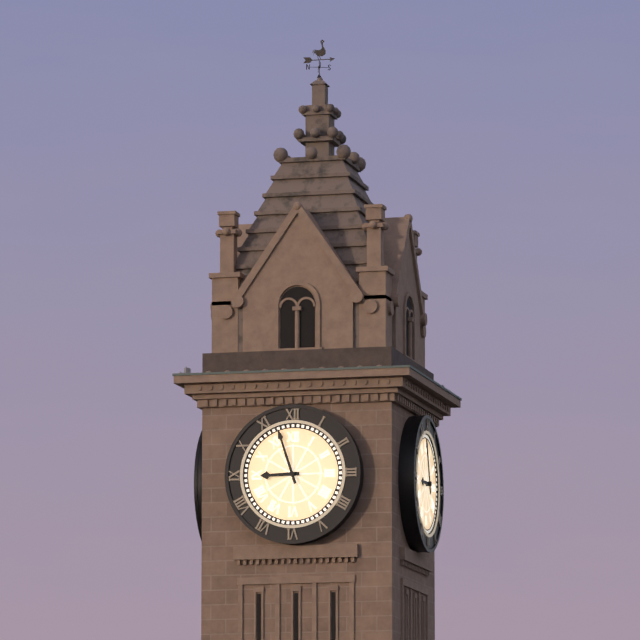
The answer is **8:57**
